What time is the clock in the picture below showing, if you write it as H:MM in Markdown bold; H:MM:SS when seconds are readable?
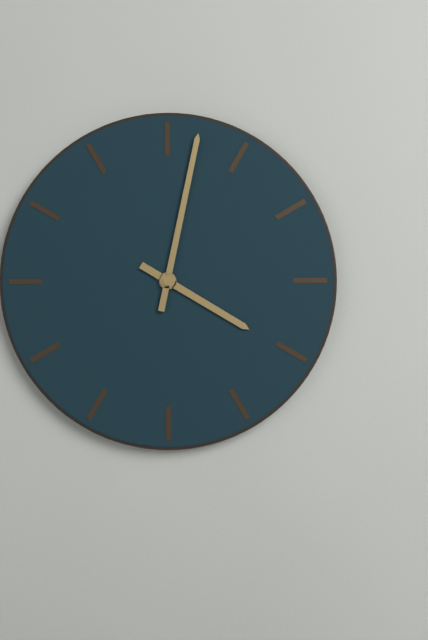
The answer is **4:02**
